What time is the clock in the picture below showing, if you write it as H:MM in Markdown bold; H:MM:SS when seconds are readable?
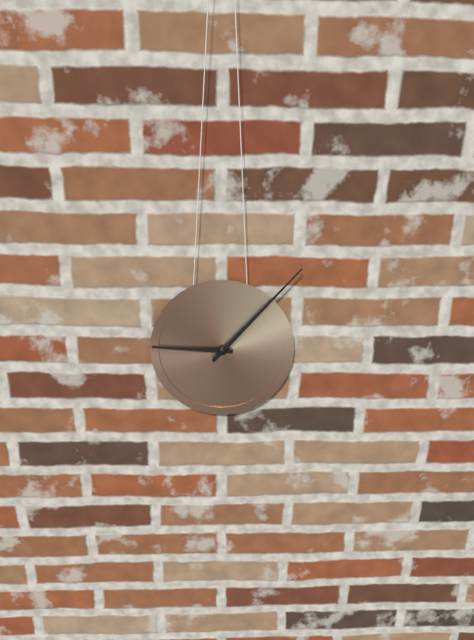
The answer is **9:07**
